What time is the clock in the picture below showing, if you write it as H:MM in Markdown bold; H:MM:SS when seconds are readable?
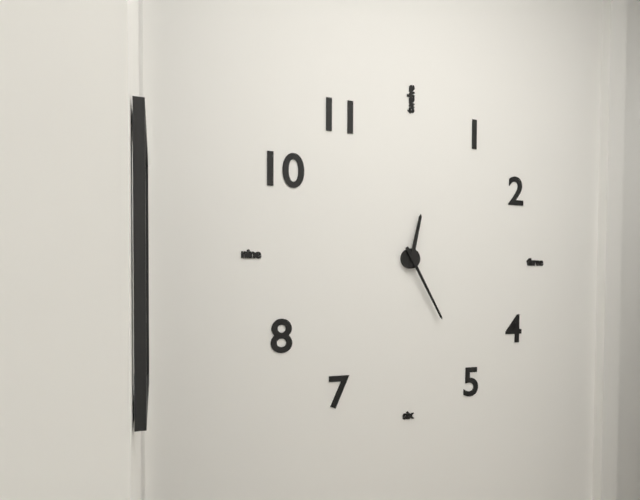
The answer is **12:25**
